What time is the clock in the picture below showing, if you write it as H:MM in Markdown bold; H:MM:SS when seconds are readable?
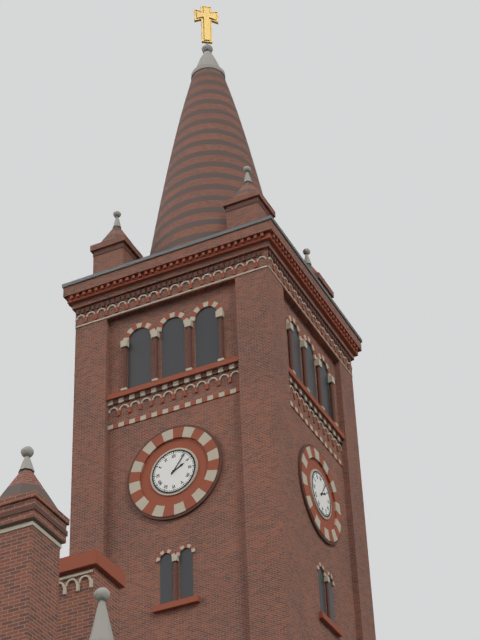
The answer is **2:06**
